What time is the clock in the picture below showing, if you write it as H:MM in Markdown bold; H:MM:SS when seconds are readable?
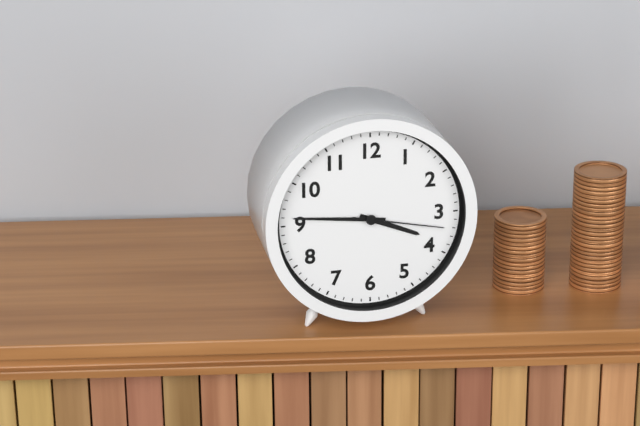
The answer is **3:46:17**
